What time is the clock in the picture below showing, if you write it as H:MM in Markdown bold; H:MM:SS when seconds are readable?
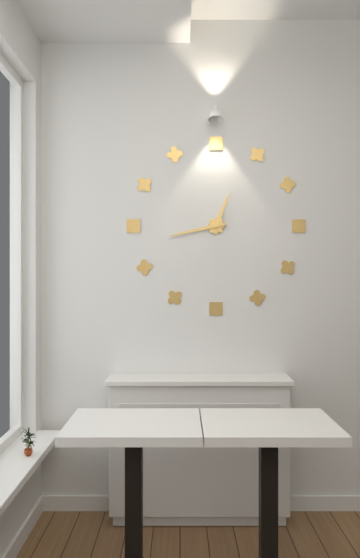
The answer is **12:43**
